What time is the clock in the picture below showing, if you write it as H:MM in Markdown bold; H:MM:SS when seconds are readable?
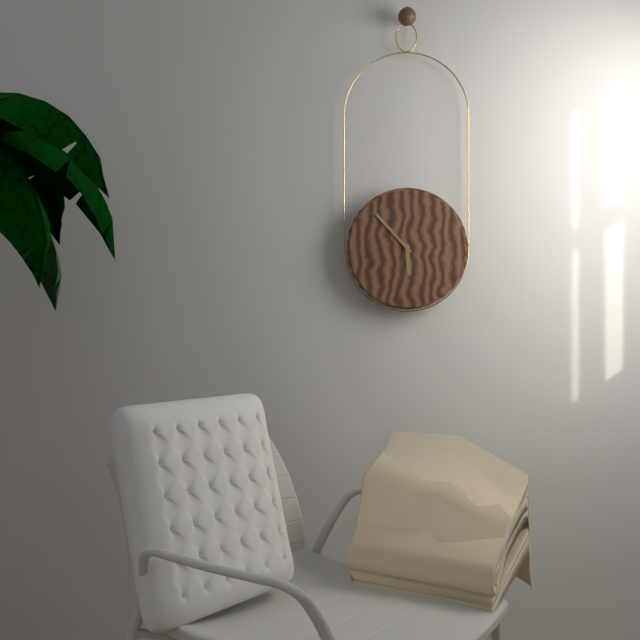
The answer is **5:53**
